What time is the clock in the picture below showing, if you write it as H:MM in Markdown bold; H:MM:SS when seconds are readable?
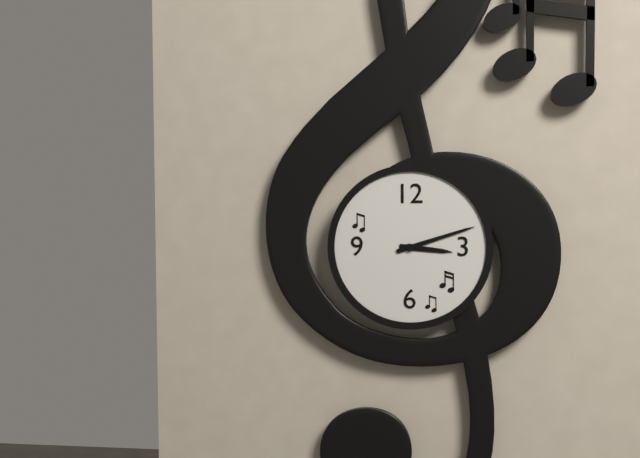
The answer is **3:12**
